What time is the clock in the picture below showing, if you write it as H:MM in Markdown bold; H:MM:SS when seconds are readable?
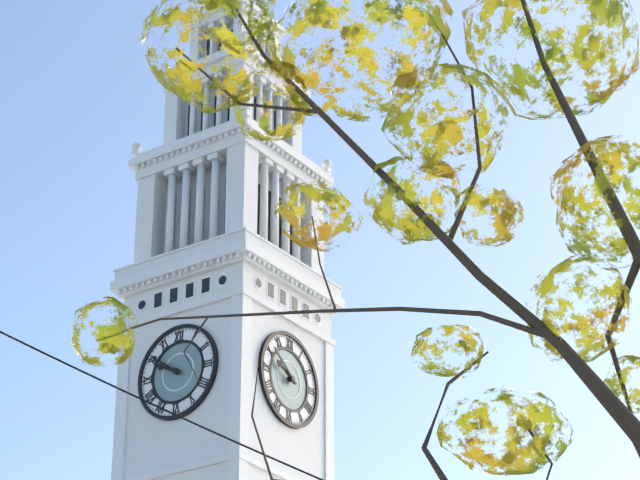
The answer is **9:51**
